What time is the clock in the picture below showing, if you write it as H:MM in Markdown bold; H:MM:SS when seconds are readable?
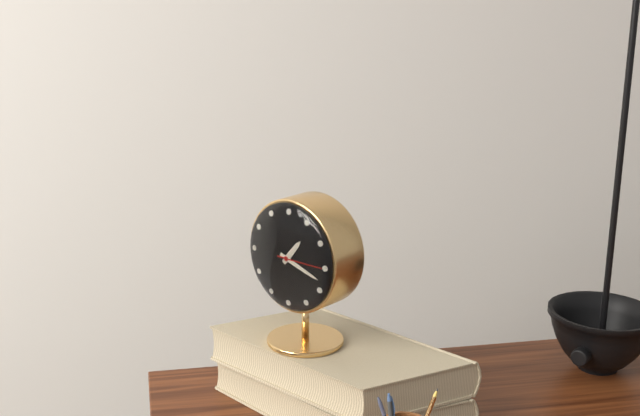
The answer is **1:18**
